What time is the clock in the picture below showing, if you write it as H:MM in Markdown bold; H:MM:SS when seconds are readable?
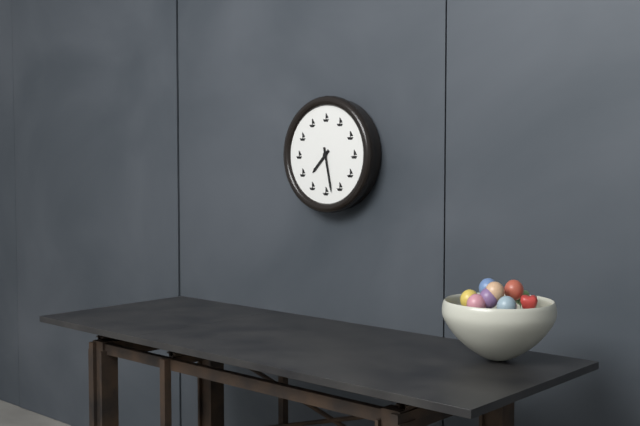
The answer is **7:28**
